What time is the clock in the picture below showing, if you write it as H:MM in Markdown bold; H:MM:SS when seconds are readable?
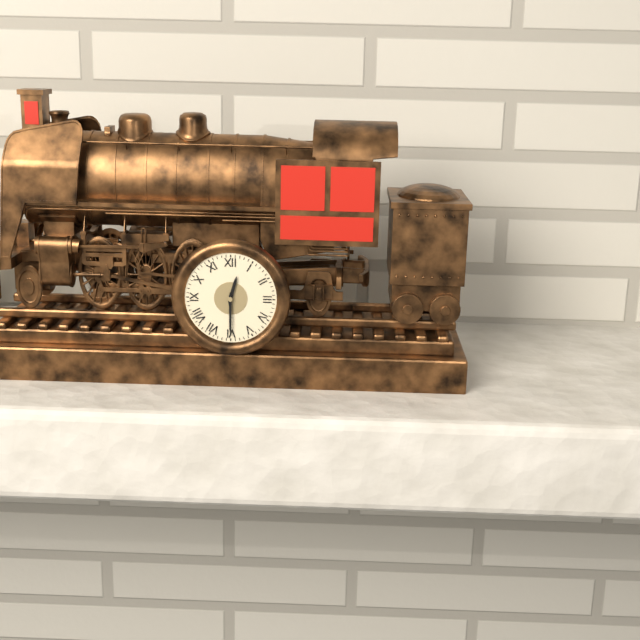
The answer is **12:30**
